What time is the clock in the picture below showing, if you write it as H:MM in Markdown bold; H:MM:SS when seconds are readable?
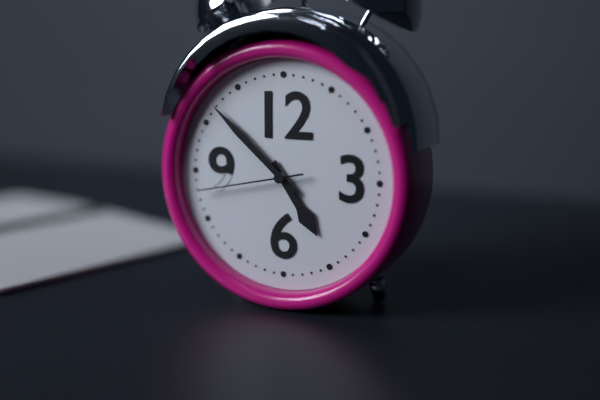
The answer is **4:52:43**
